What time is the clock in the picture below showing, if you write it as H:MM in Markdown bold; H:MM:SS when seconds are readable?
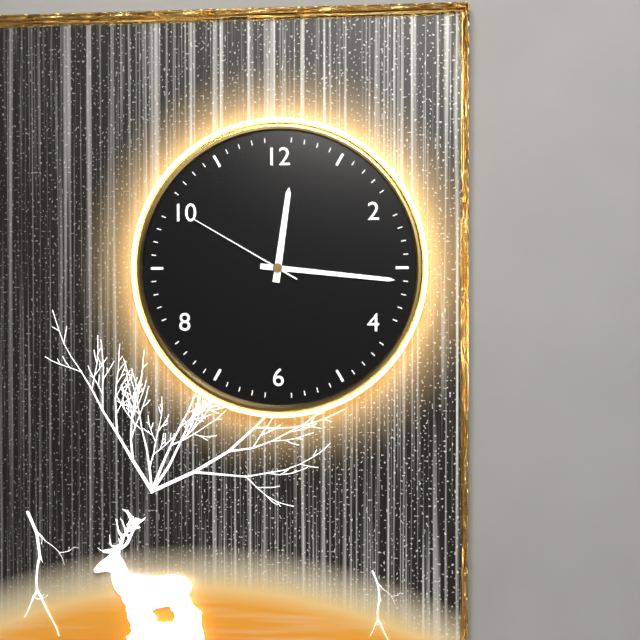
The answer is **12:16:50**
